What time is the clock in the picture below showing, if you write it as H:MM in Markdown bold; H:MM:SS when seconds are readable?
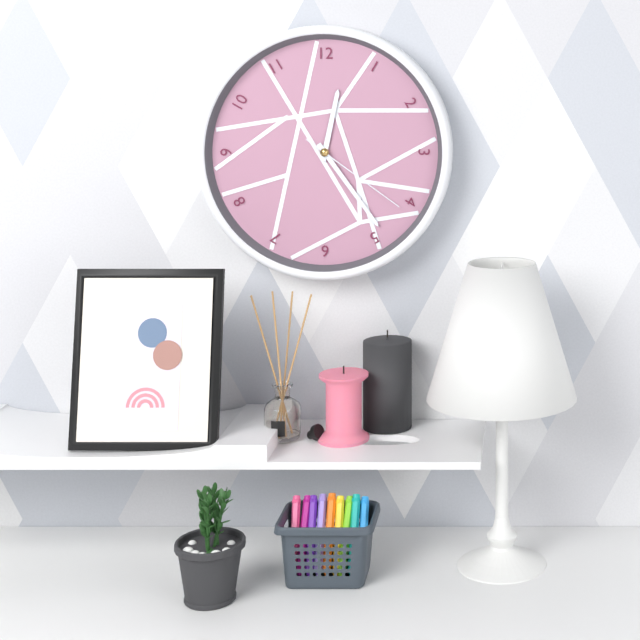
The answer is **12:24:21**
